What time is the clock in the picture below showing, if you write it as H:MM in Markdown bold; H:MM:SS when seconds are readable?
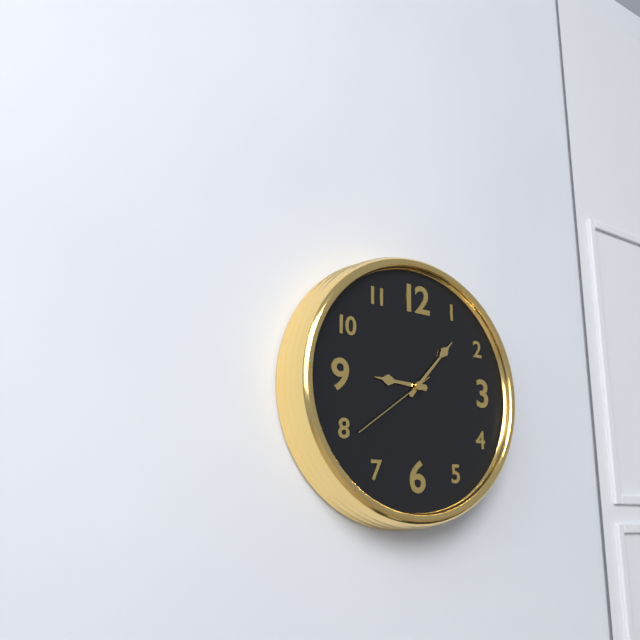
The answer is **9:07:39**
